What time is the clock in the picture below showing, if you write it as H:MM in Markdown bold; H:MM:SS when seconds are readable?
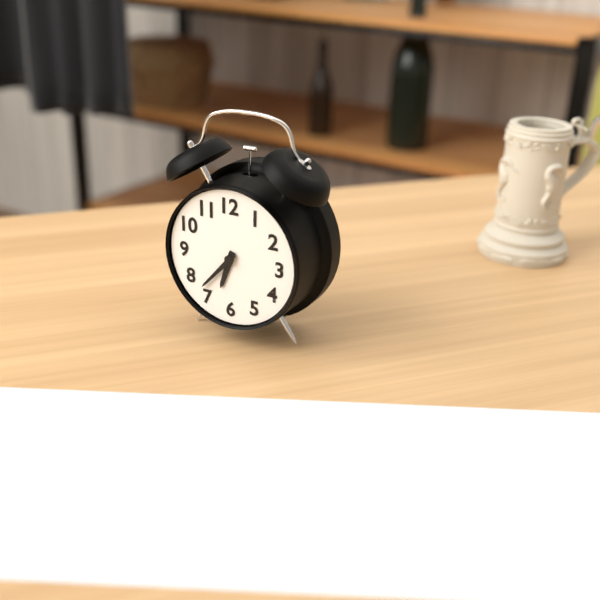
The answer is **6:37**
